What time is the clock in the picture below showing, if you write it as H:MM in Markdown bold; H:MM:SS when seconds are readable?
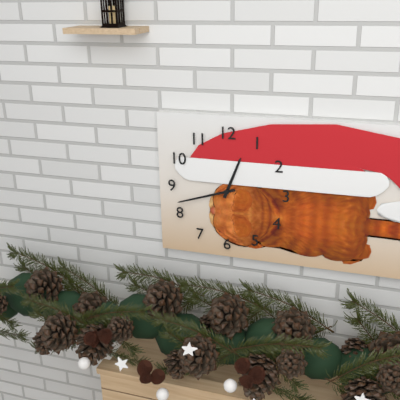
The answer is **12:42**
